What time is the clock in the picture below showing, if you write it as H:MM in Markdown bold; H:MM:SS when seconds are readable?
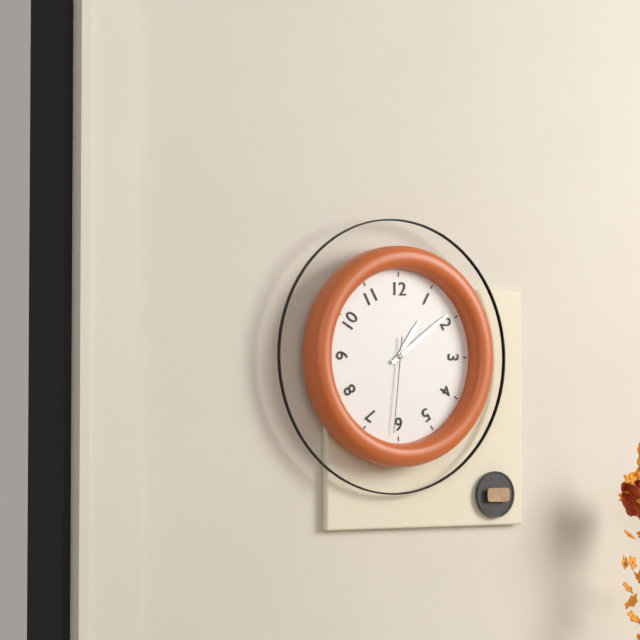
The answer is **1:09:31**
